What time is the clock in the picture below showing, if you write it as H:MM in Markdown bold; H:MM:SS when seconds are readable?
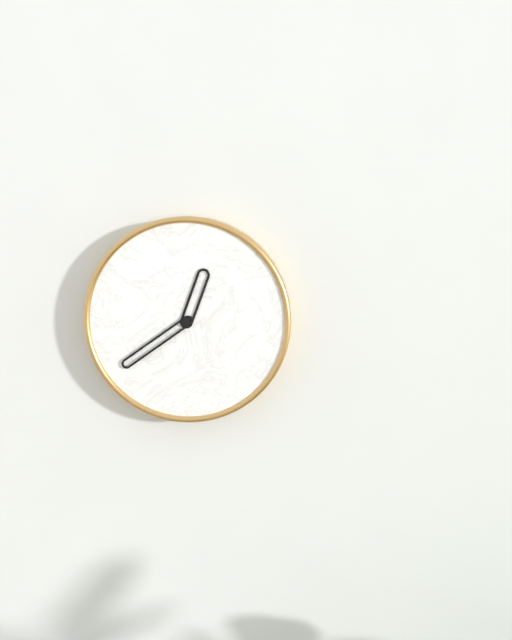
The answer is **12:39**
